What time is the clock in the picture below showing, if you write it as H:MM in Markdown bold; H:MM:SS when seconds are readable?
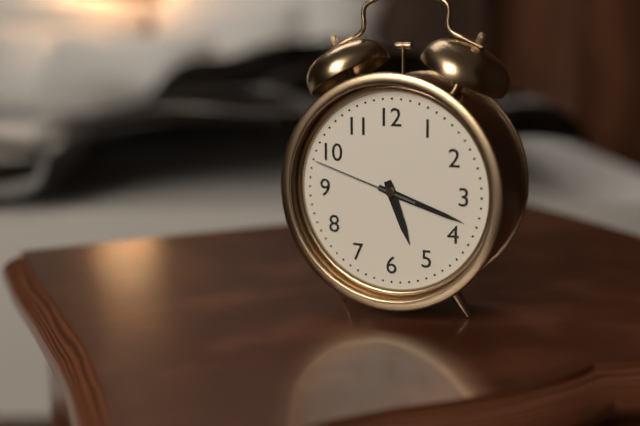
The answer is **5:18:48**
